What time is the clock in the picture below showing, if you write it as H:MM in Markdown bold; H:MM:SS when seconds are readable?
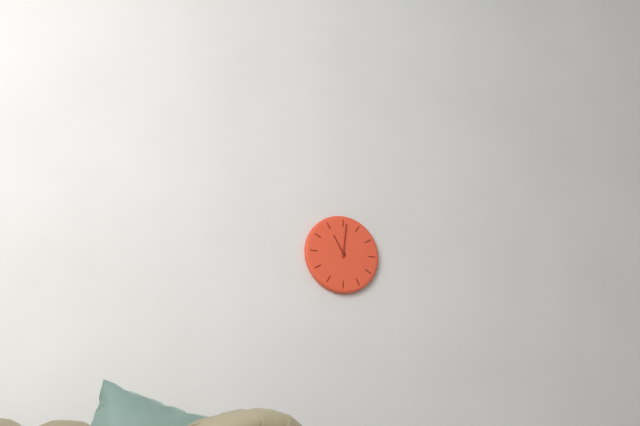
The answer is **11:01**
